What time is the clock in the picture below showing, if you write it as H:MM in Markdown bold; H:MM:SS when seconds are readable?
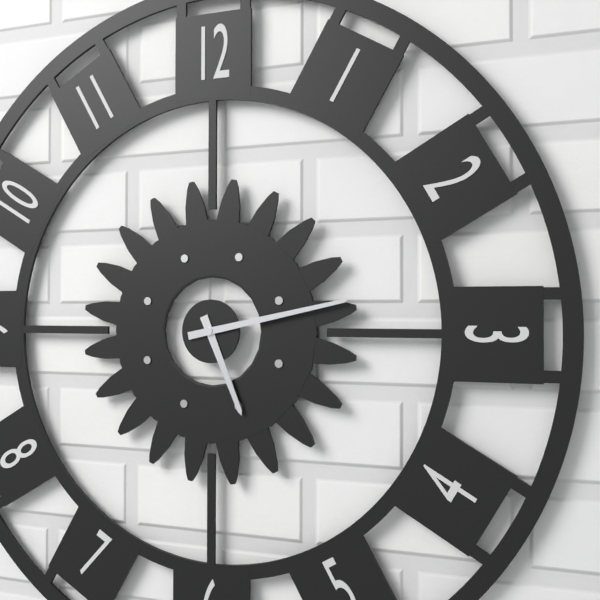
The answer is **5:13**
